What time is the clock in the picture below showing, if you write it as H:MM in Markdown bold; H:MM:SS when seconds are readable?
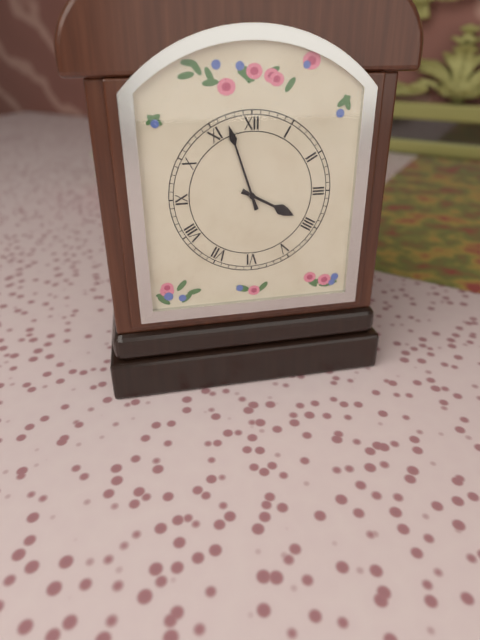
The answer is **3:57**
